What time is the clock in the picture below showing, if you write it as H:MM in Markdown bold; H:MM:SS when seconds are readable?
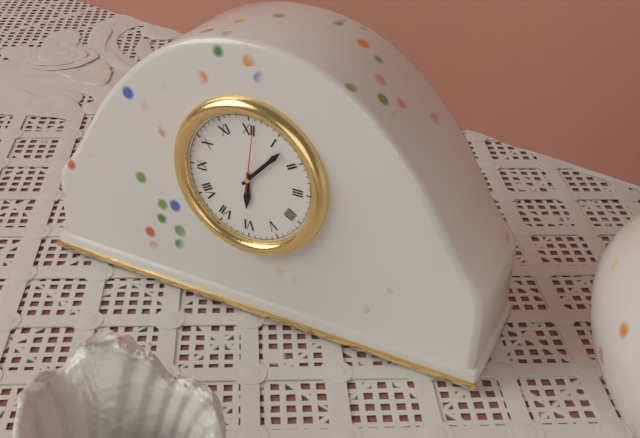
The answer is **6:07:01**
